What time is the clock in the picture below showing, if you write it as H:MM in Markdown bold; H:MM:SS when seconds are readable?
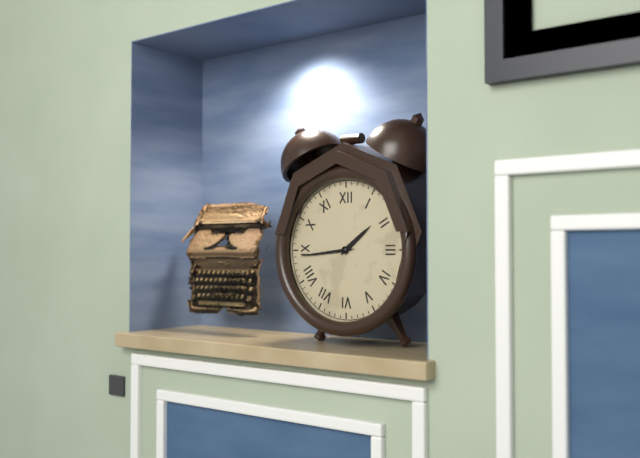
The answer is **1:44**
